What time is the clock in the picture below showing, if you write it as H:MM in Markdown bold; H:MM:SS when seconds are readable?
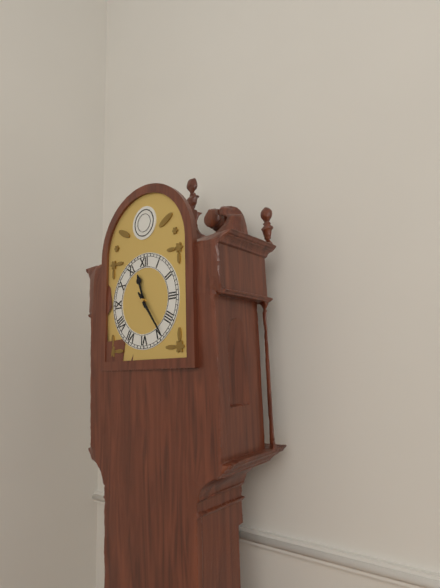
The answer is **11:24**
